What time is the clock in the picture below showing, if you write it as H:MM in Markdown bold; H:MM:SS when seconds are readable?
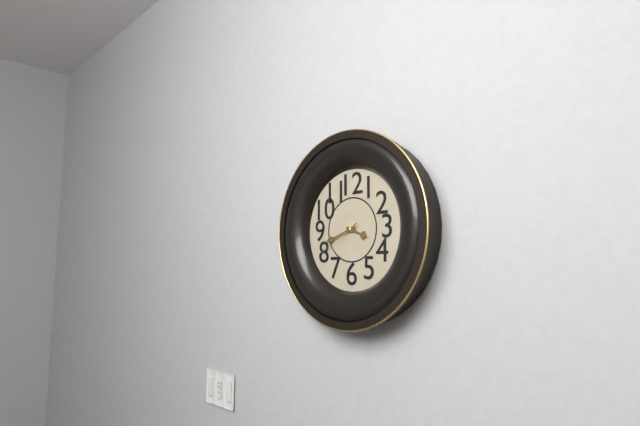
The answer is **3:42**
